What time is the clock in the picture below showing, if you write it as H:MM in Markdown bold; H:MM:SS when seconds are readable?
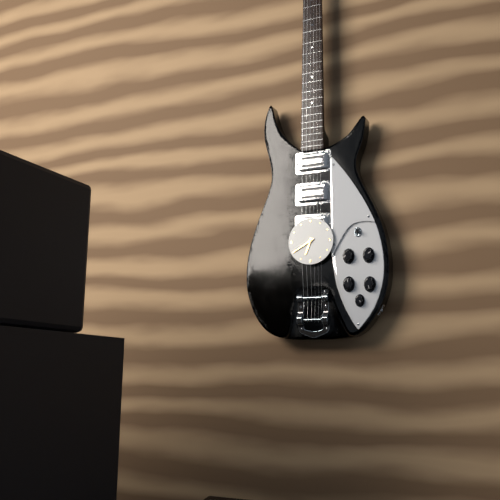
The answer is **6:40**
